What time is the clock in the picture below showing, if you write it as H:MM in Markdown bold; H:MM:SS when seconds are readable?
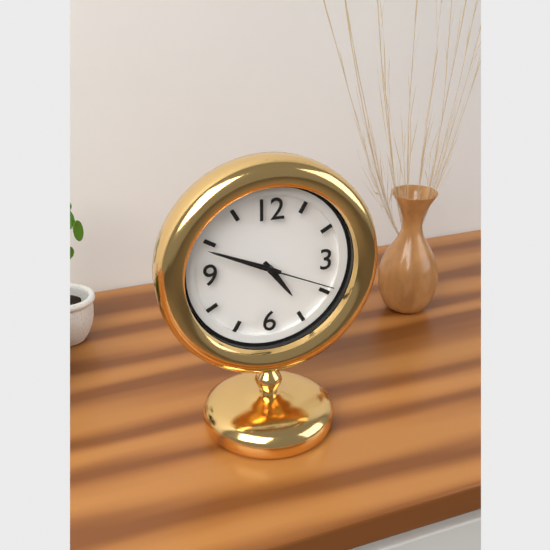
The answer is **4:49:19**
